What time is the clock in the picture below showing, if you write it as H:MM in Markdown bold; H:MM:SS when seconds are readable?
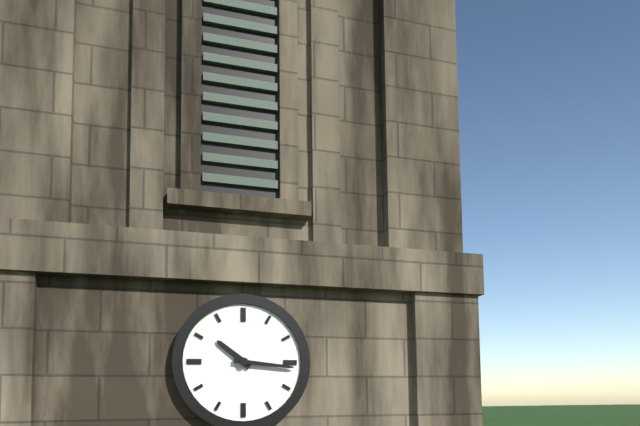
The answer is **10:16**
